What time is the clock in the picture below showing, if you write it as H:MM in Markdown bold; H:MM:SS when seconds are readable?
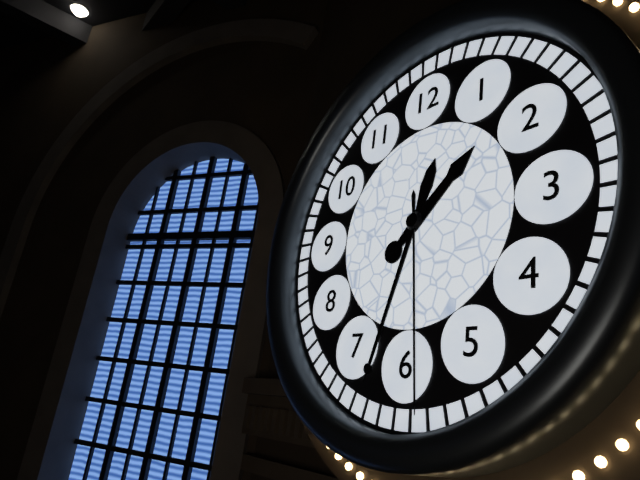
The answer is **1:33:29**
